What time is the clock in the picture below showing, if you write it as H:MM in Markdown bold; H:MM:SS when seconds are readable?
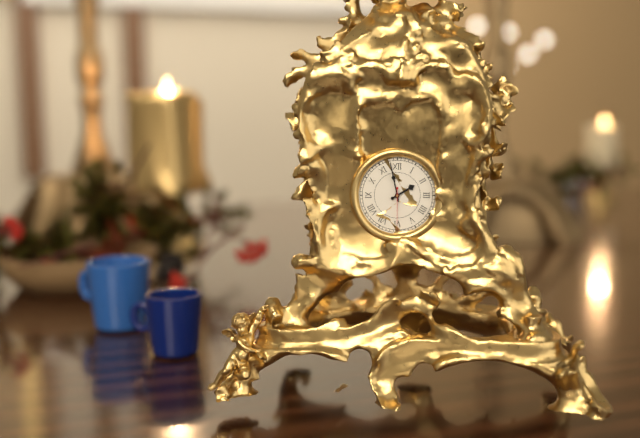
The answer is **1:58**
